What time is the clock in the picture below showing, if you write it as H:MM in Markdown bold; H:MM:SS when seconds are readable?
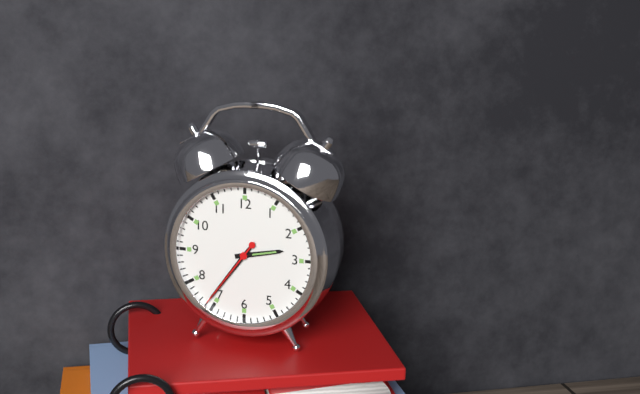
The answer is **2:36:36**
